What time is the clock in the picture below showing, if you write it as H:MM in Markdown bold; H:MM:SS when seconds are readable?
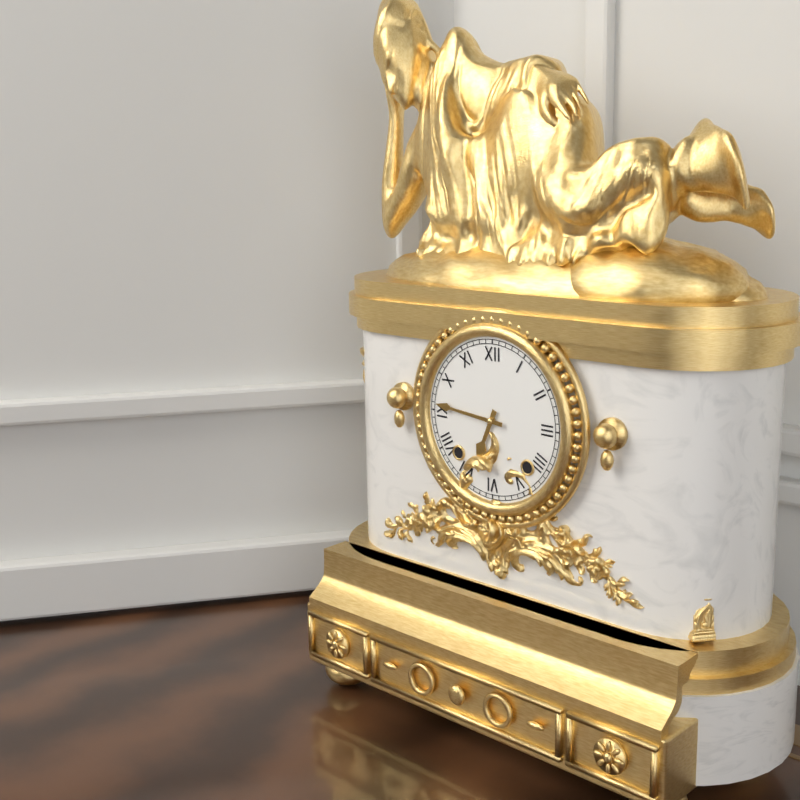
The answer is **6:46**
